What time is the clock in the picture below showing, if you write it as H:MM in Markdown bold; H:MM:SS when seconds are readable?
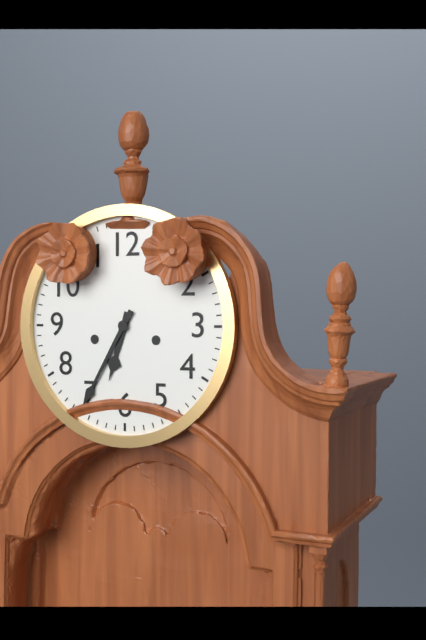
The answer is **6:35**
